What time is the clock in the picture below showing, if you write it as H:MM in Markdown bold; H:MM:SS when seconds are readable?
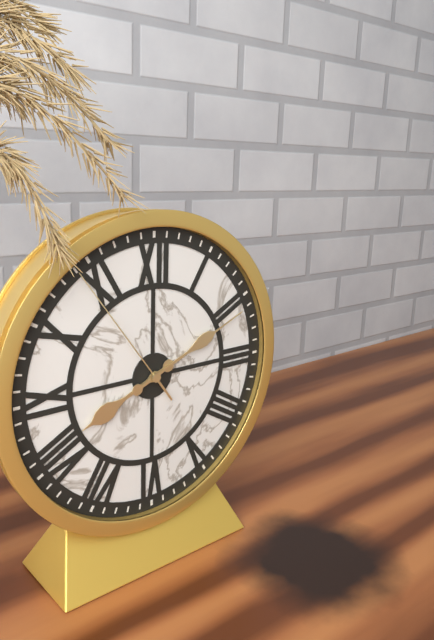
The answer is **8:11:54**
